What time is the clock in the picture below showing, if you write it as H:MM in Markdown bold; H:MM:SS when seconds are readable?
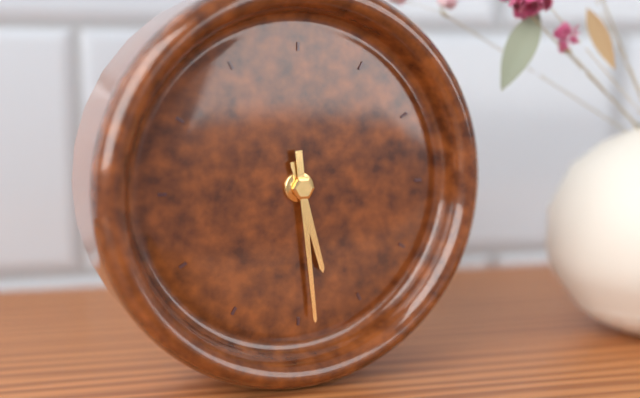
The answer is **5:29**
